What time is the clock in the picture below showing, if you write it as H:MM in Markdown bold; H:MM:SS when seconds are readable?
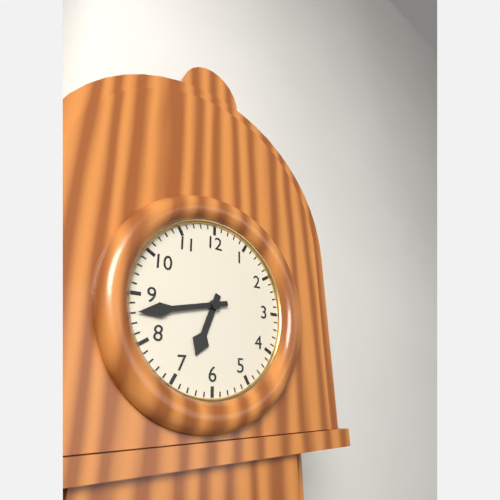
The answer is **6:43**
